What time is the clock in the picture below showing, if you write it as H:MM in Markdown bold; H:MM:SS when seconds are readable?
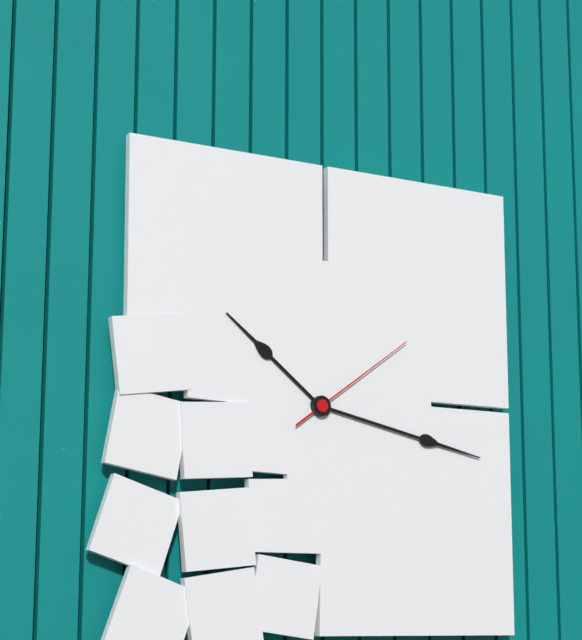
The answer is **10:17:09**
